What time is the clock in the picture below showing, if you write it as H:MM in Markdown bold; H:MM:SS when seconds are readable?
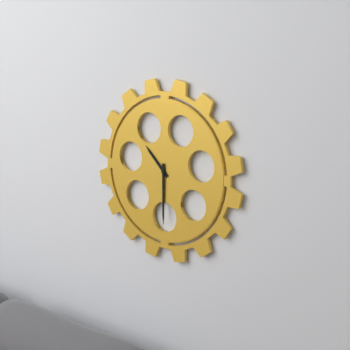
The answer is **10:30**
